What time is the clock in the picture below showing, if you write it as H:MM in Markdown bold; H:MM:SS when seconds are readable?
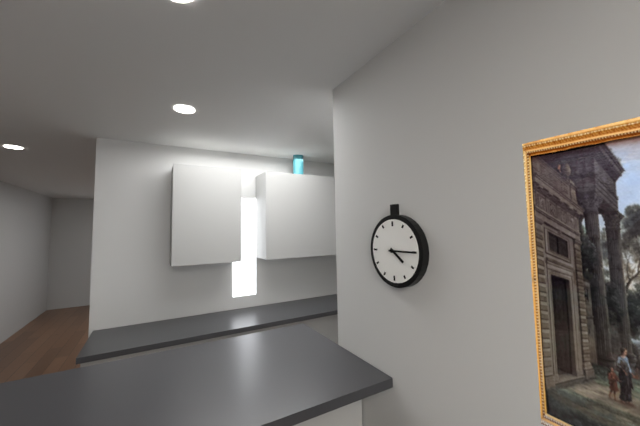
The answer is **4:15**
